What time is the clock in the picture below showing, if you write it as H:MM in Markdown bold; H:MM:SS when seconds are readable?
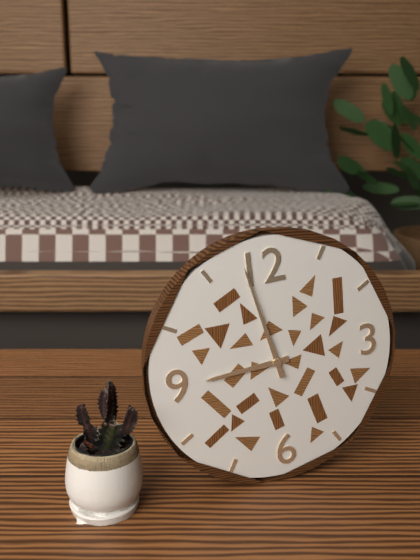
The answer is **8:58**
